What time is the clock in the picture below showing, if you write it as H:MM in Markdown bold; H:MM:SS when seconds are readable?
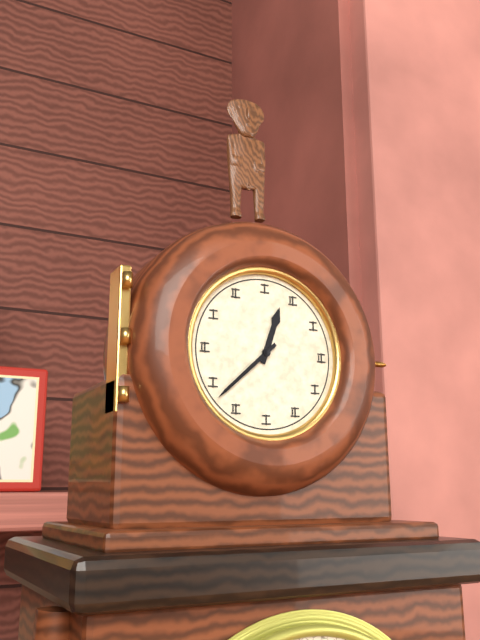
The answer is **12:38**
